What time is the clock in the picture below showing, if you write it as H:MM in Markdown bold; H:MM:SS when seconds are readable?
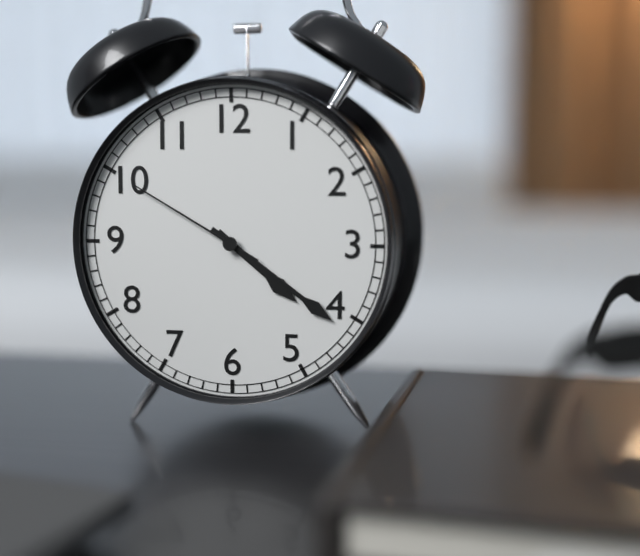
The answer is **4:21:50**
